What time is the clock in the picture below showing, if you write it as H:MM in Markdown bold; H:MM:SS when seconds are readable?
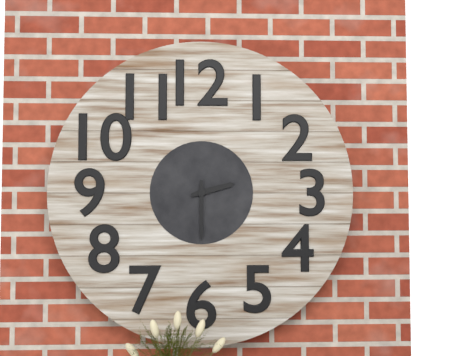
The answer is **2:30**
